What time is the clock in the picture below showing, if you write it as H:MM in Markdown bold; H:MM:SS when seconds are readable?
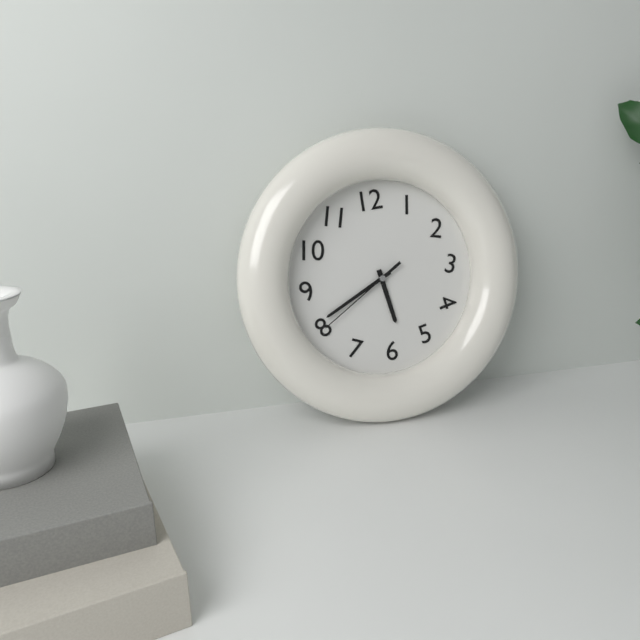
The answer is **5:41:40**
